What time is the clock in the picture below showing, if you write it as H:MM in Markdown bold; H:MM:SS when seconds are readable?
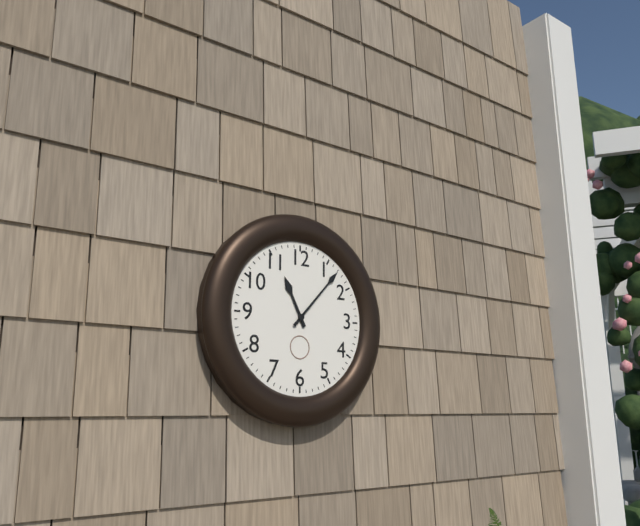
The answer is **11:07**
